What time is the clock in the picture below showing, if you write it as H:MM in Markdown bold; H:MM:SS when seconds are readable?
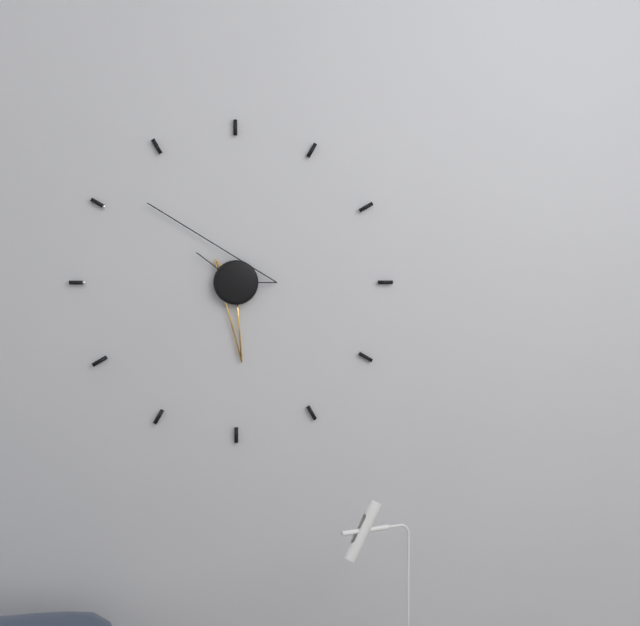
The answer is **5:52**
